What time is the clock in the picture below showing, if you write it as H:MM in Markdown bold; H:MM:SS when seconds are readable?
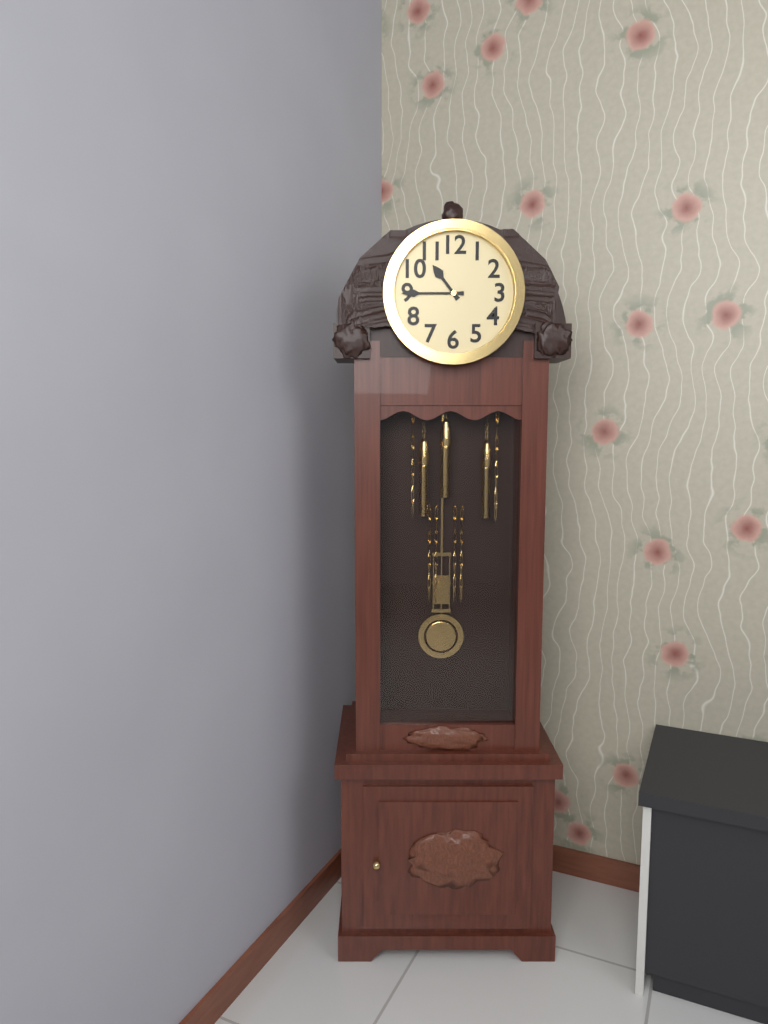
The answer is **10:45**
